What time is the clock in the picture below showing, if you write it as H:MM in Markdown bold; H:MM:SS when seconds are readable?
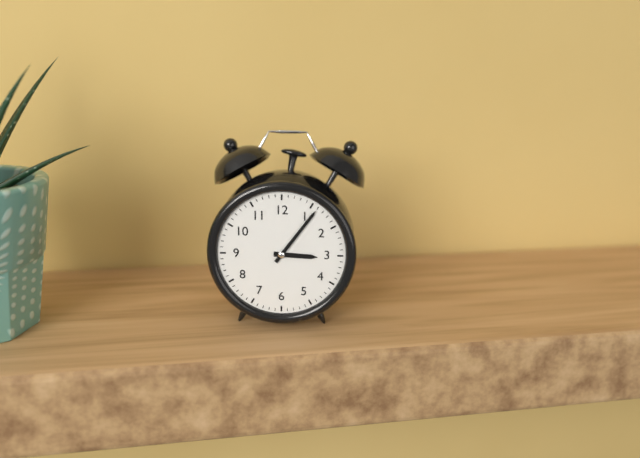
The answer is **3:06**
